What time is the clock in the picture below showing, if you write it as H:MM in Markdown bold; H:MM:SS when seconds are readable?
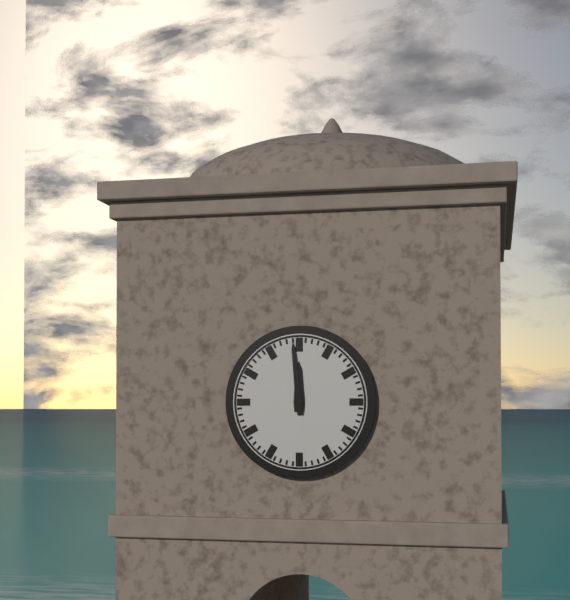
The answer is **11:59**
